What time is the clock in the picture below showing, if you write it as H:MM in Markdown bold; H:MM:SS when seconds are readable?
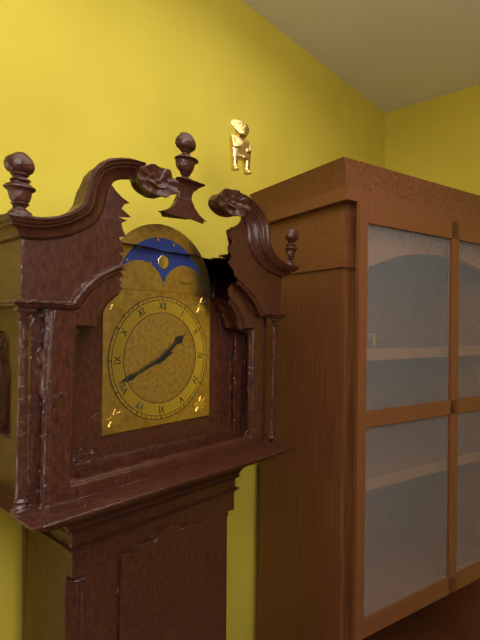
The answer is **1:41**
